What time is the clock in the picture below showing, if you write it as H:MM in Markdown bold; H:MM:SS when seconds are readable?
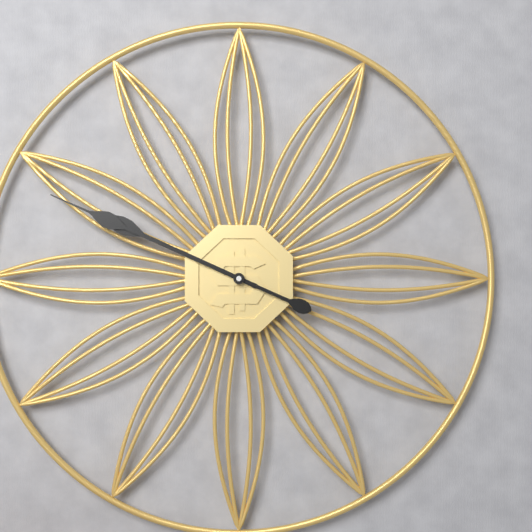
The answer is **9:49**
